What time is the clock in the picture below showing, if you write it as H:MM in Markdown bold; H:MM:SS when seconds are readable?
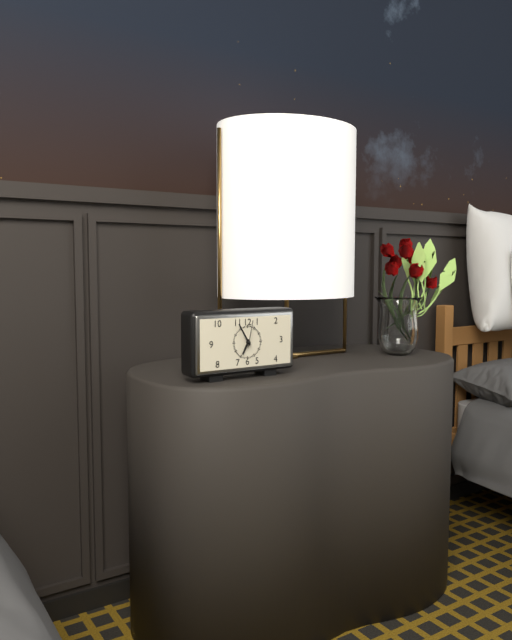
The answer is **6:55**
